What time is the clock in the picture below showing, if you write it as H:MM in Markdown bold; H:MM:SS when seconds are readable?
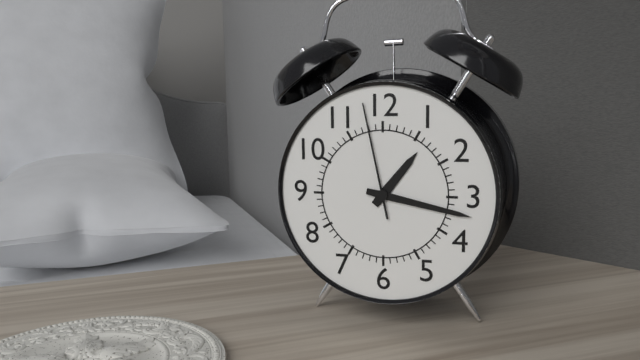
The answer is **1:17:58**
